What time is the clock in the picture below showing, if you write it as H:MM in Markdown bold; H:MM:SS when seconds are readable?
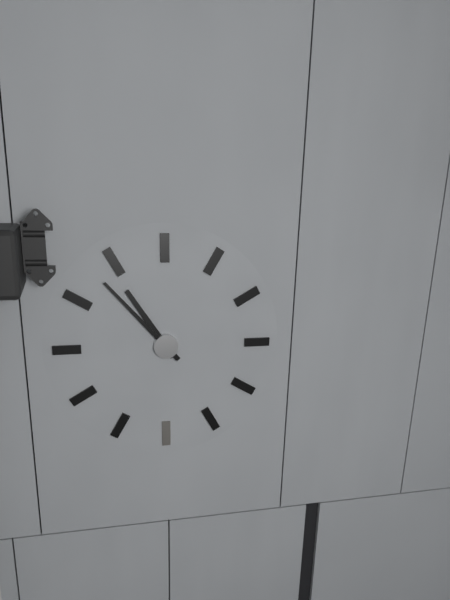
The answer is **10:53**
